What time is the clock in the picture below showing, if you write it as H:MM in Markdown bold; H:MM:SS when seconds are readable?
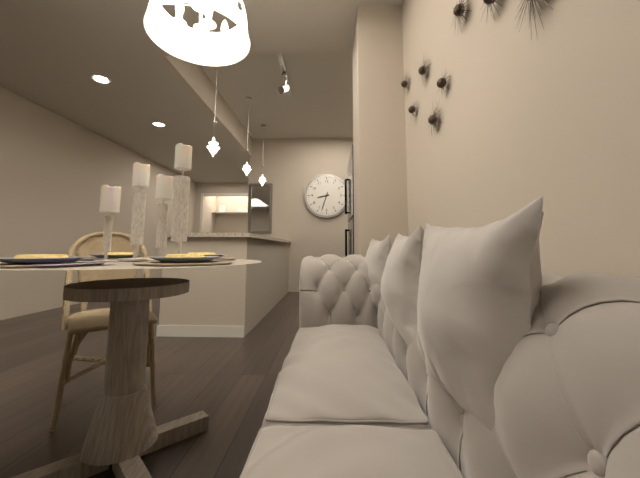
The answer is **8:33**
